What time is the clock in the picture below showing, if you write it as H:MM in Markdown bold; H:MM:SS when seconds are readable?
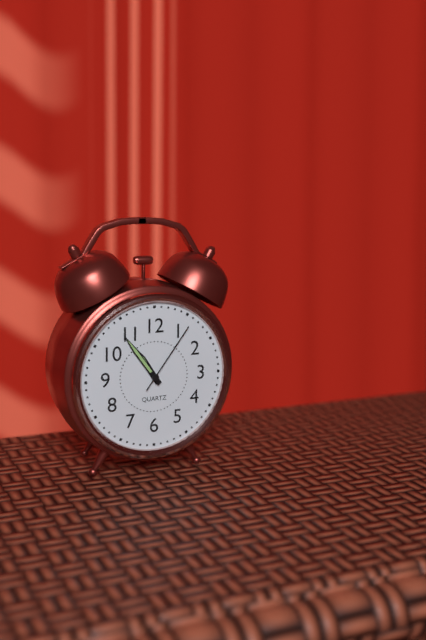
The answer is **10:54:06**
